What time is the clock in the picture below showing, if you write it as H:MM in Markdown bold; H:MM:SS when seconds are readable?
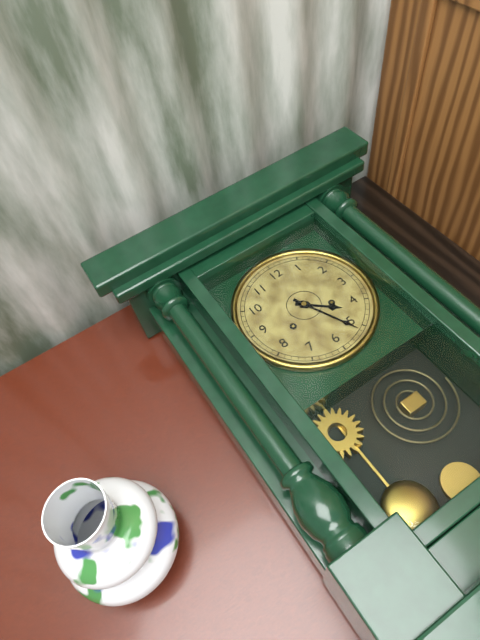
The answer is **4:26**
